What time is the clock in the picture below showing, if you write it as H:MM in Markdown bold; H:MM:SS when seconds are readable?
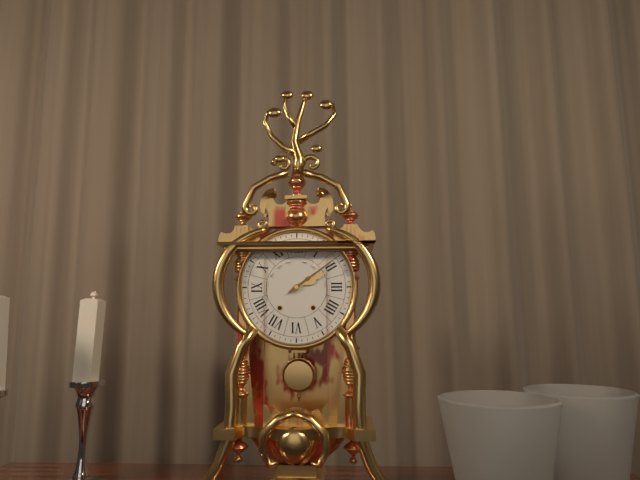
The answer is **2:09**
